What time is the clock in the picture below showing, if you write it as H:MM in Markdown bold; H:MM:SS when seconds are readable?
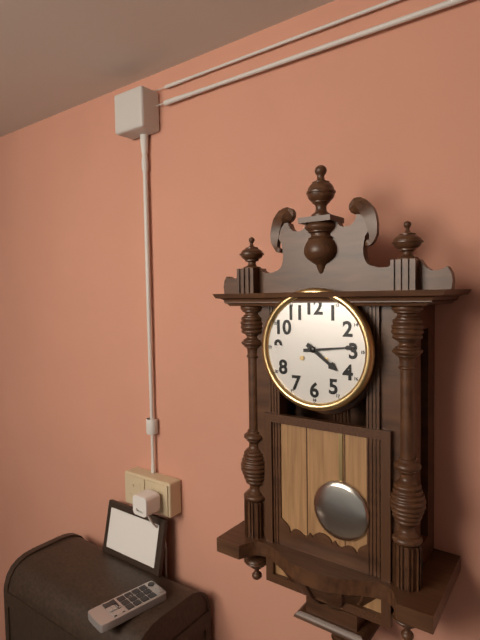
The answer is **4:14**
